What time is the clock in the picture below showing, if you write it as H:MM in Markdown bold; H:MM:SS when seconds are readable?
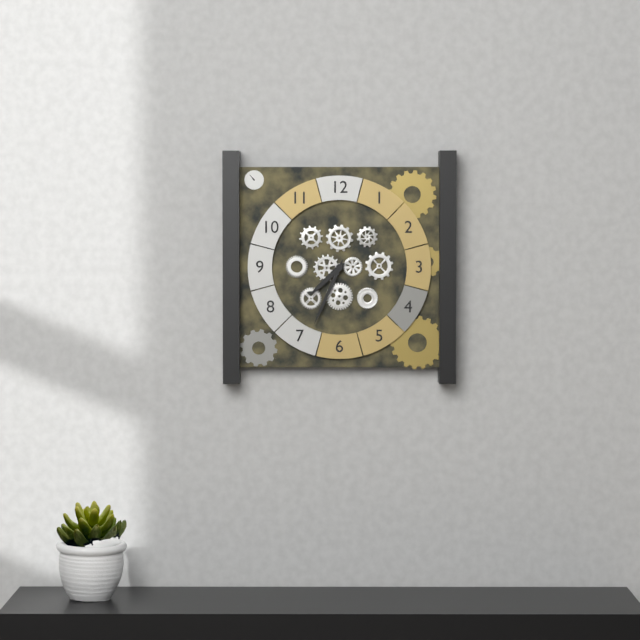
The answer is **7:34**
